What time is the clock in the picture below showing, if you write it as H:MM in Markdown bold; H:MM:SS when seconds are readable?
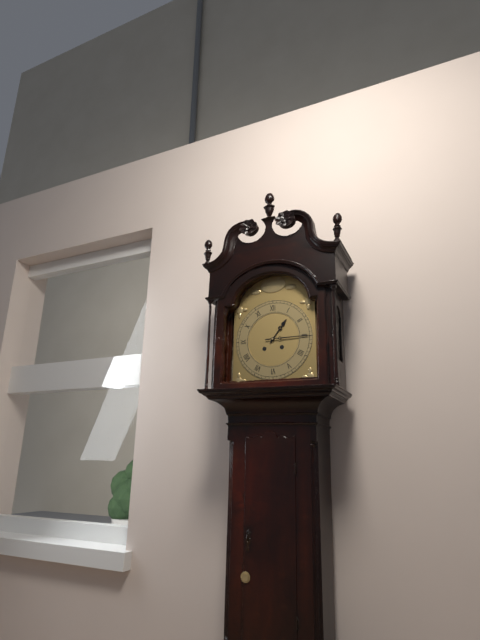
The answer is **1:15**
